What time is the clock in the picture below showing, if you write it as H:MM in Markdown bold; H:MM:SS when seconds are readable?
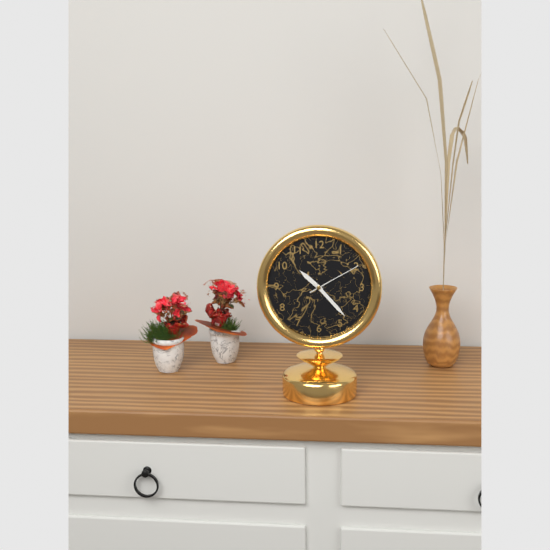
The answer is **10:23:10**
